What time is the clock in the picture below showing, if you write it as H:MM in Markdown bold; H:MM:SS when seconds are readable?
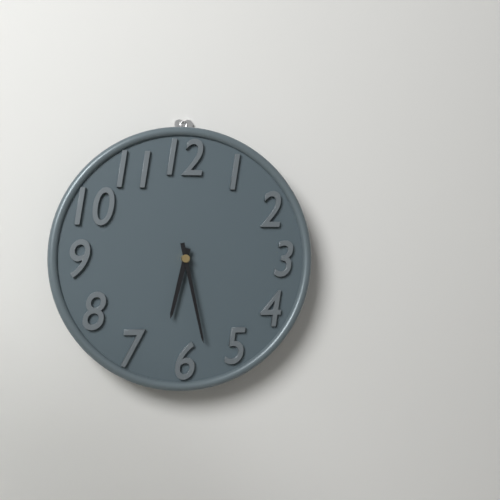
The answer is **6:28**
